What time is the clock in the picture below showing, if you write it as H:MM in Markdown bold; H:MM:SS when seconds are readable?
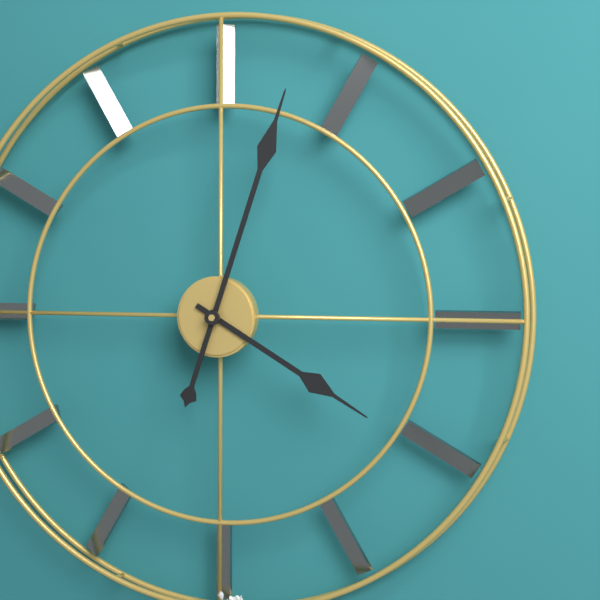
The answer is **4:03**
